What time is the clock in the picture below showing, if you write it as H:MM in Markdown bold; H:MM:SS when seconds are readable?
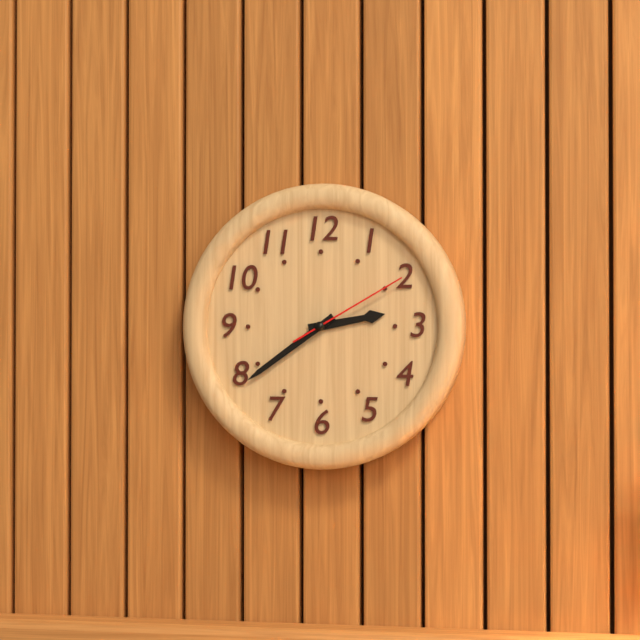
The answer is **2:39:10**
